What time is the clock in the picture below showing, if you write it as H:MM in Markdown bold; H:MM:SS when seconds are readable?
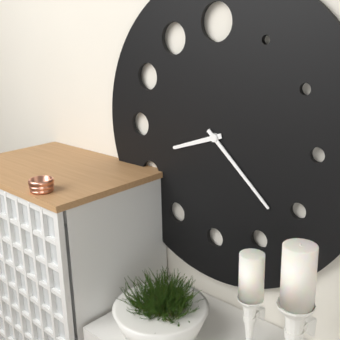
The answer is **8:22**
